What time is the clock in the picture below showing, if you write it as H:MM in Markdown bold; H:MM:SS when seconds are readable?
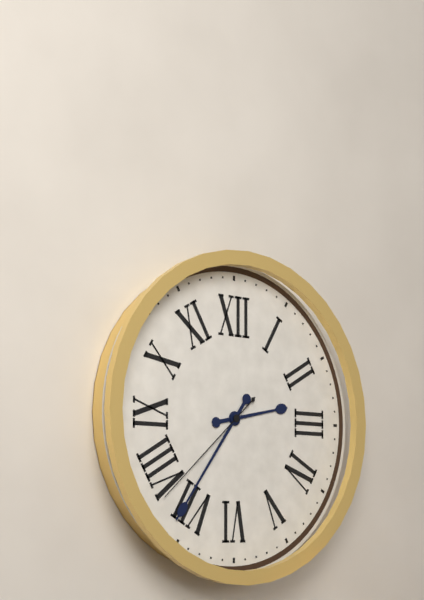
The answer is **2:36:38**
